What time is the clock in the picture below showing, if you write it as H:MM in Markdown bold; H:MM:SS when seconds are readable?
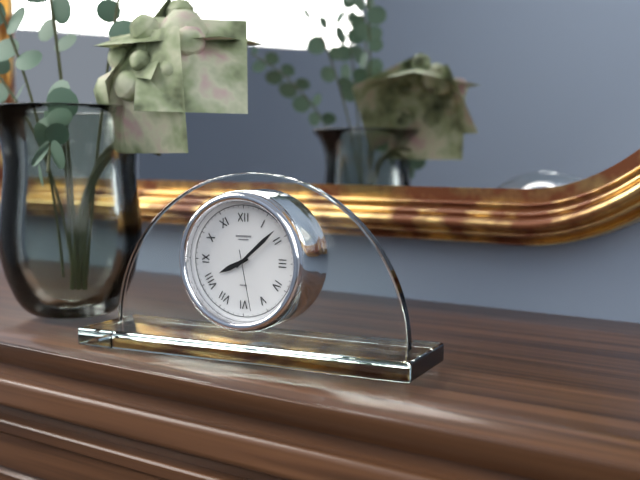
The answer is **8:08:28**
